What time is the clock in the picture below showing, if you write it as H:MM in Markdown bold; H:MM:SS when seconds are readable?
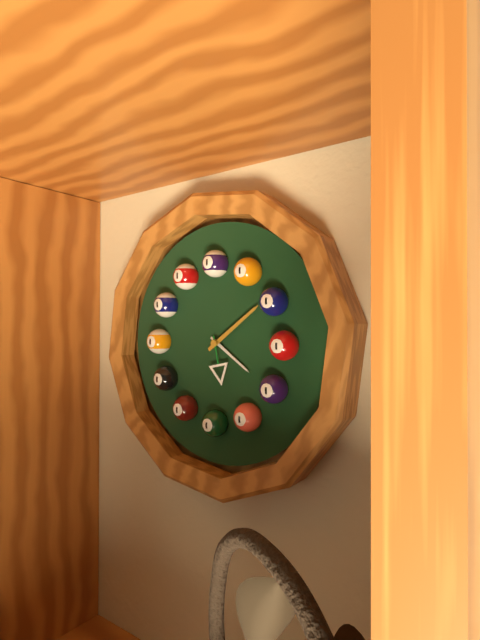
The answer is **4:09:28**
